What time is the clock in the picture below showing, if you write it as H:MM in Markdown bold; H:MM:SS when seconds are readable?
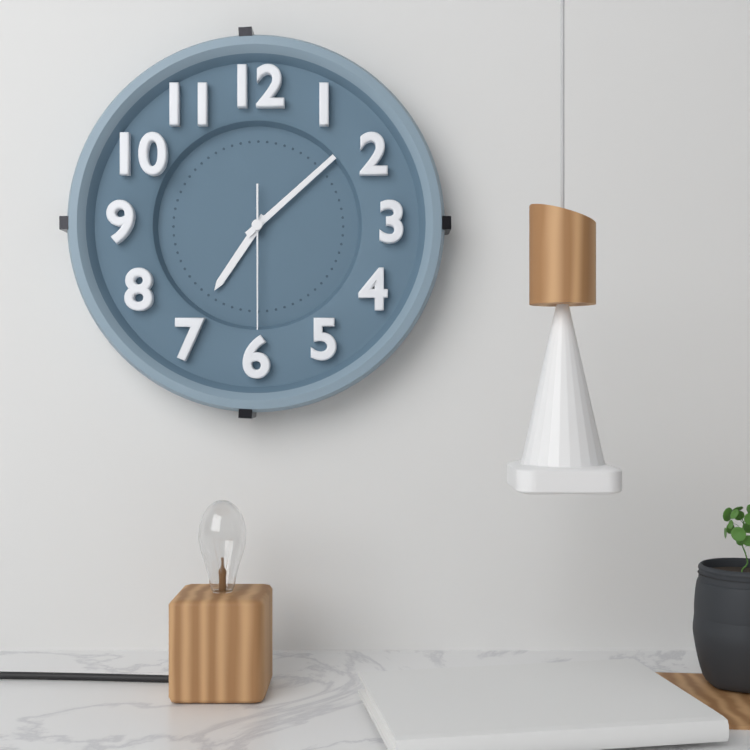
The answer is **7:08:30**
